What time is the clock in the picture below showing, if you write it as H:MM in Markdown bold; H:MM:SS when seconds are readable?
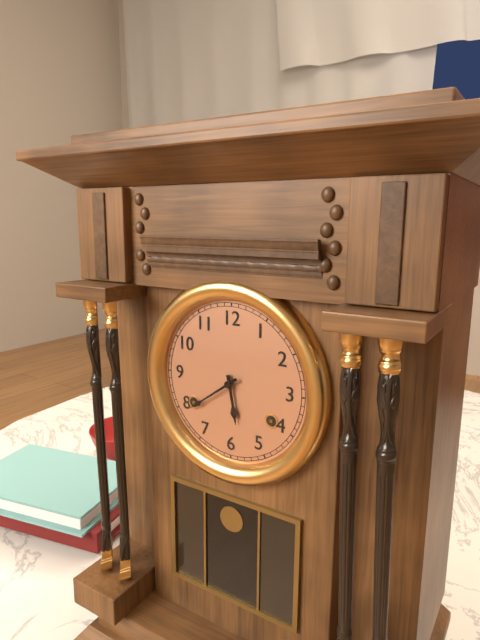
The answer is **5:39**
